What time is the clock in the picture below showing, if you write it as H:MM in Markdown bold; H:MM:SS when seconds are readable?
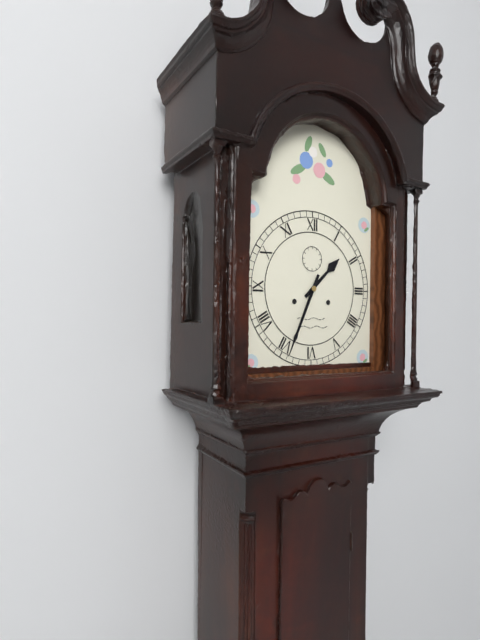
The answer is **1:34**
